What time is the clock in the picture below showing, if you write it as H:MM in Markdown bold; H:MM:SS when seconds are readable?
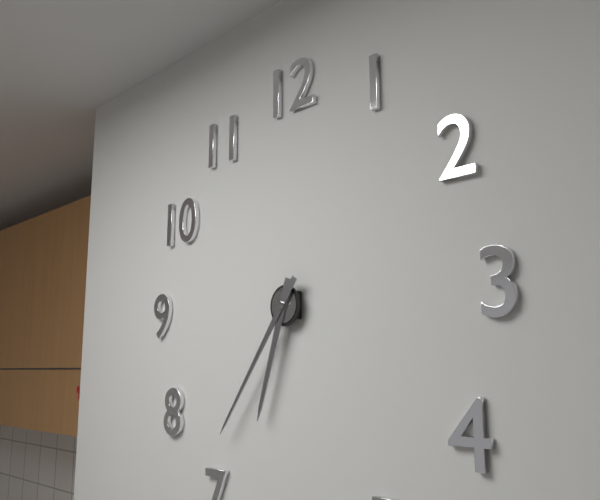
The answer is **6:36**
